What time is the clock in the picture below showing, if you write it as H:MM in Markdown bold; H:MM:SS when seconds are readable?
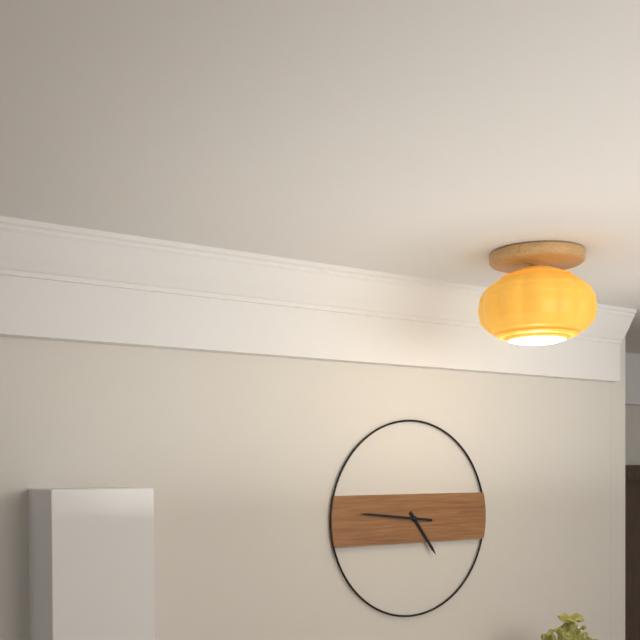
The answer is **4:46**
